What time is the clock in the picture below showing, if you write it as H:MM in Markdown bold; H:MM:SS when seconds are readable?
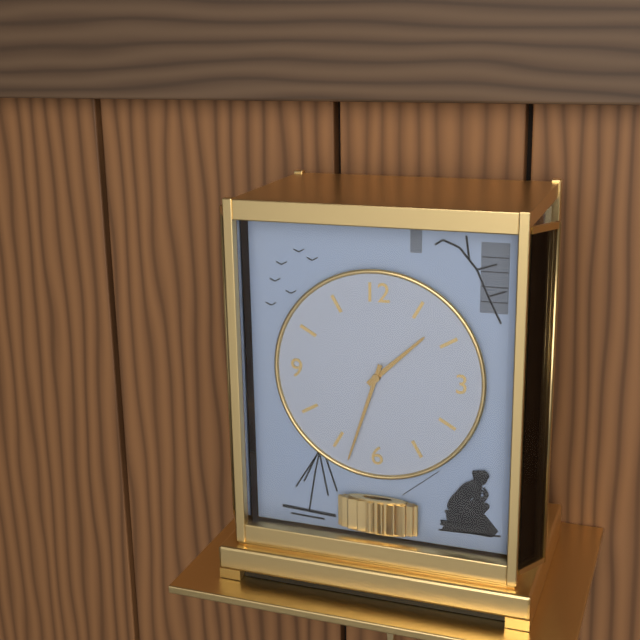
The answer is **1:33**
